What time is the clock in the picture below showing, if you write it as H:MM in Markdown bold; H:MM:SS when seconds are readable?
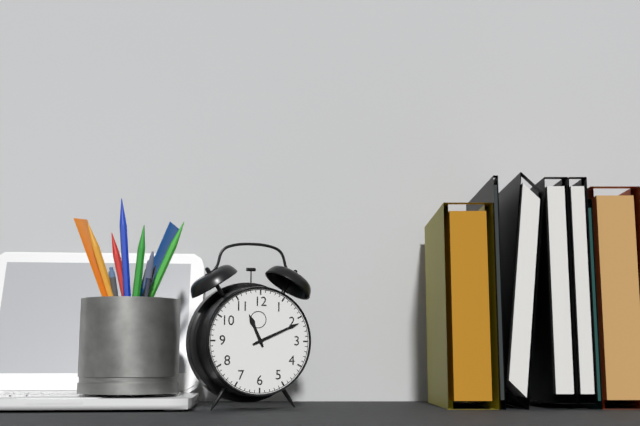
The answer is **11:11**
